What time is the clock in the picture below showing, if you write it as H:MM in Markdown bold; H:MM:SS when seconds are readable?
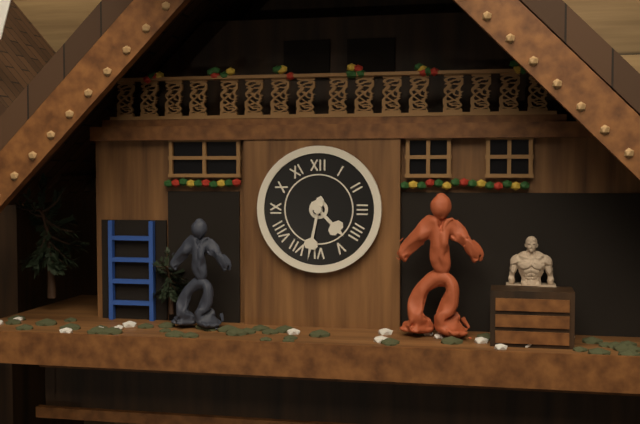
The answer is **4:32**
